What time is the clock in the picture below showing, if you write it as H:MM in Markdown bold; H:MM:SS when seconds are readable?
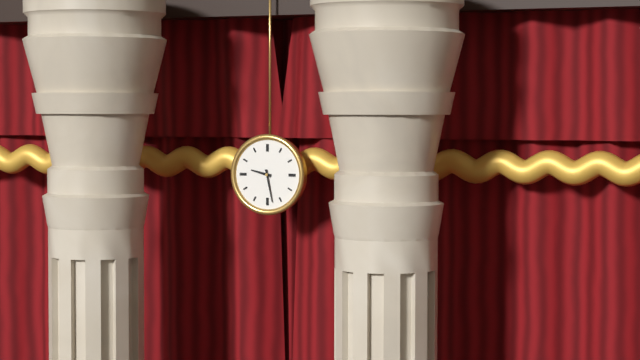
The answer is **9:28**
